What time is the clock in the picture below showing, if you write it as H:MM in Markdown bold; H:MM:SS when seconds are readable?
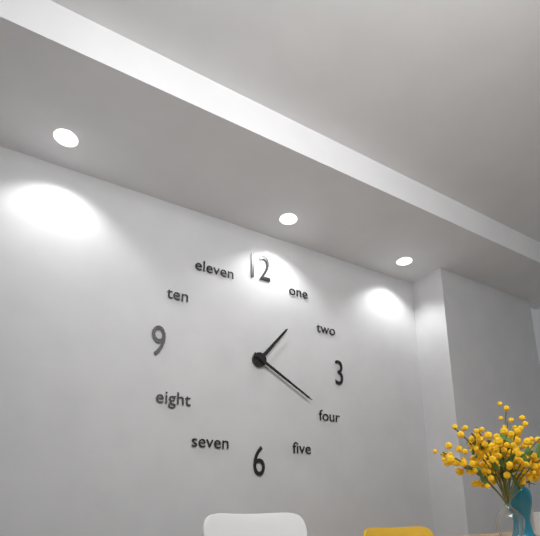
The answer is **1:20**
